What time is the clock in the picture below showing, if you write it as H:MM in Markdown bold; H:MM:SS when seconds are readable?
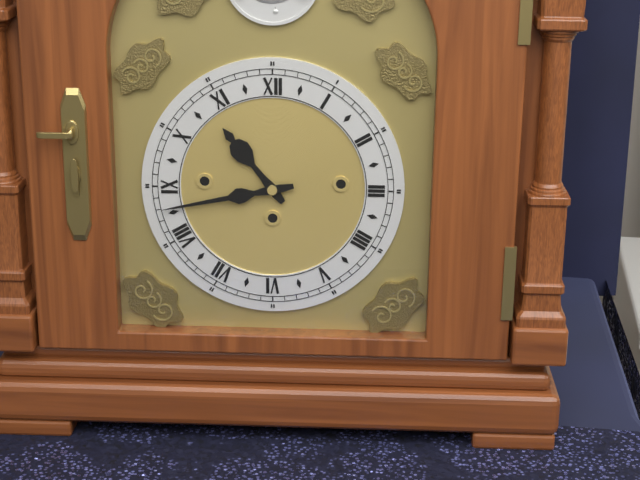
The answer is **10:43**
